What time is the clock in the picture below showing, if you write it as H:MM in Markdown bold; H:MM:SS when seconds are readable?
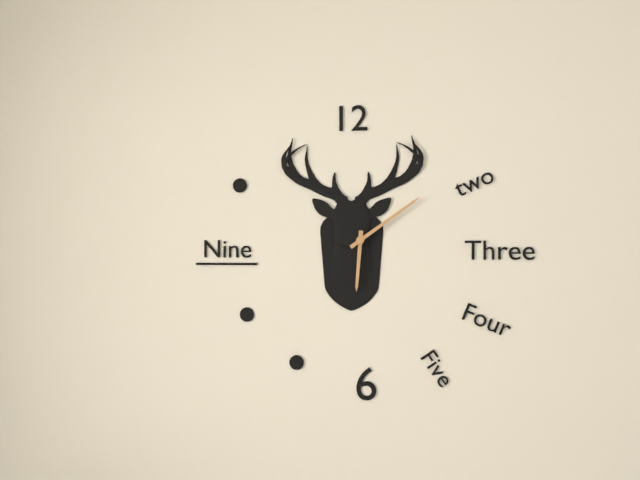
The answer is **6:09**
